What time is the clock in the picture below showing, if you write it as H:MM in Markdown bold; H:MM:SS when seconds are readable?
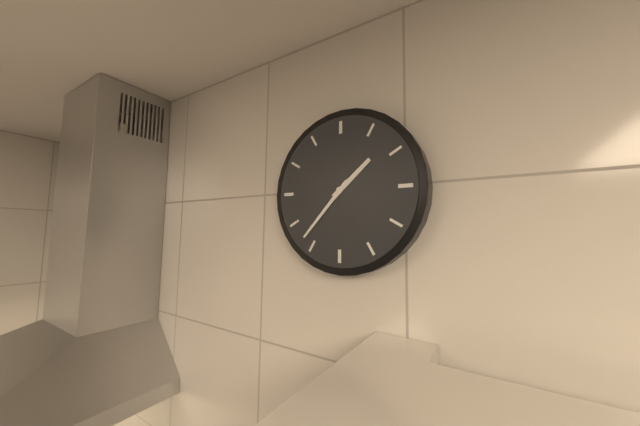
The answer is **1:37**
